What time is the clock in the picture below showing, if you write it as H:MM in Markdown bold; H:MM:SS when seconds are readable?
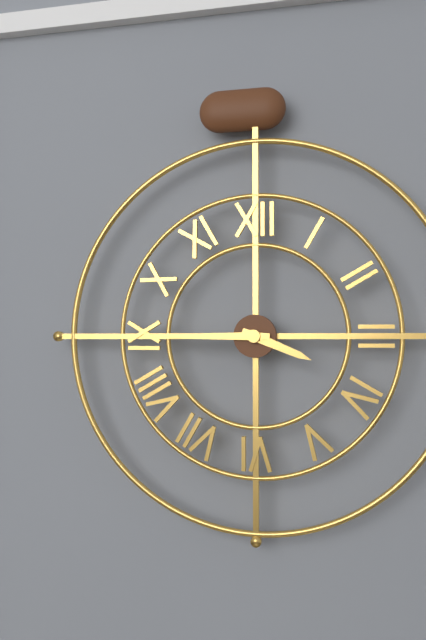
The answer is **3:45**
